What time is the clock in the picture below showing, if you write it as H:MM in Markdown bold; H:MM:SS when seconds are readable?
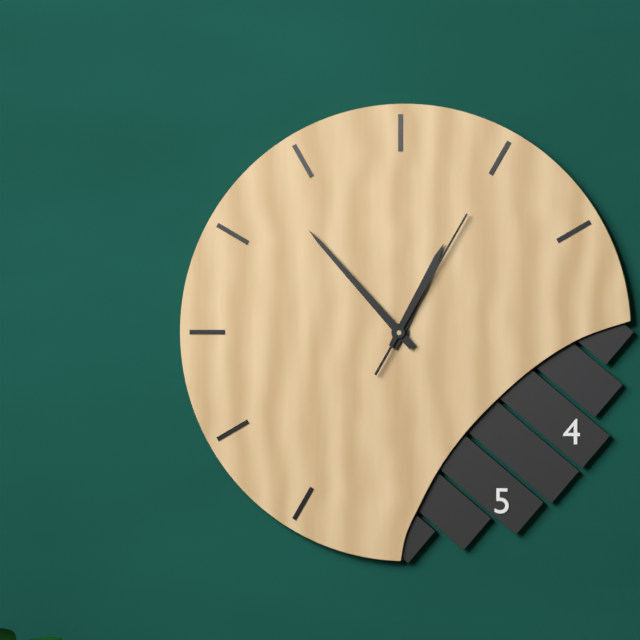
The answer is **12:53:05**
